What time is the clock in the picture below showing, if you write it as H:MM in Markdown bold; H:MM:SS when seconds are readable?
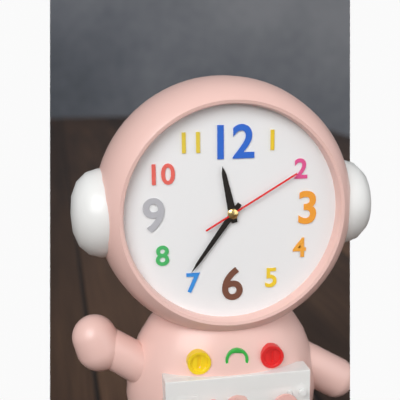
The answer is **11:36:10**
